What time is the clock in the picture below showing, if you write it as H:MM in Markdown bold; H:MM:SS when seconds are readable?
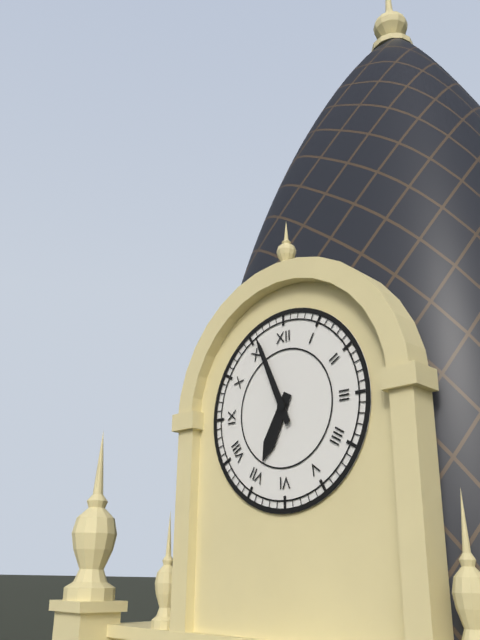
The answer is **6:56**
